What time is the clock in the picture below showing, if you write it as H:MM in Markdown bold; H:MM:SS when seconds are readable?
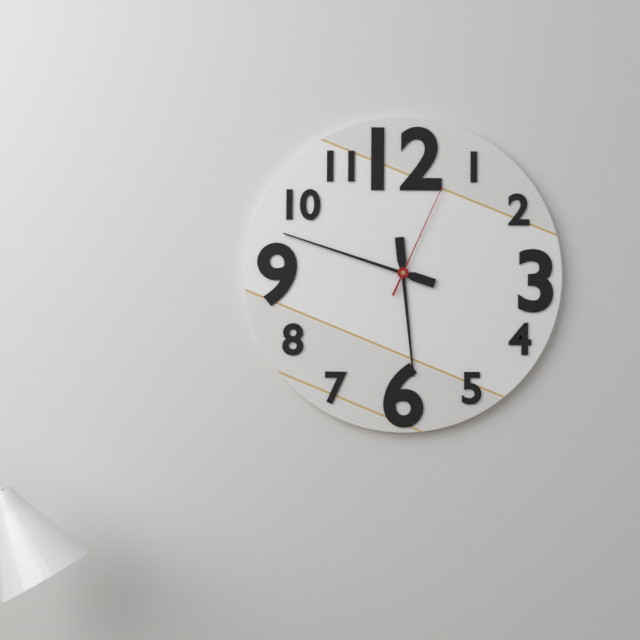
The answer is **5:48:04**
